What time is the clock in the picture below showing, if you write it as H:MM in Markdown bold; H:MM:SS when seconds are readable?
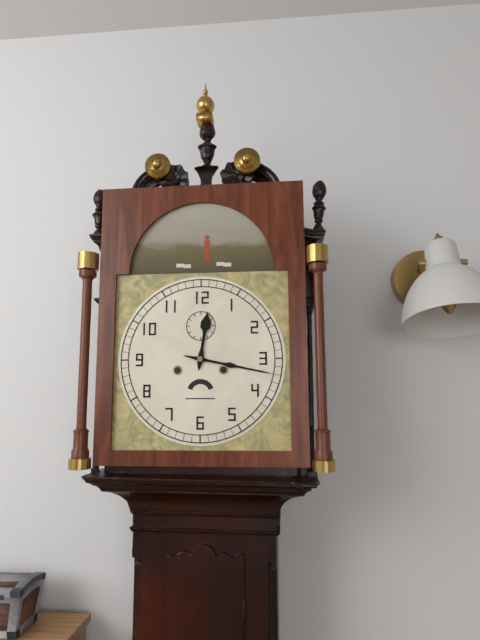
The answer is **12:17**
